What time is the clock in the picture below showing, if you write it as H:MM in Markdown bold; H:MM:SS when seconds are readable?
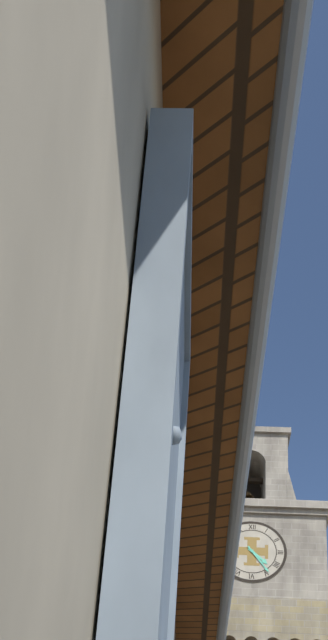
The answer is **4:24**
